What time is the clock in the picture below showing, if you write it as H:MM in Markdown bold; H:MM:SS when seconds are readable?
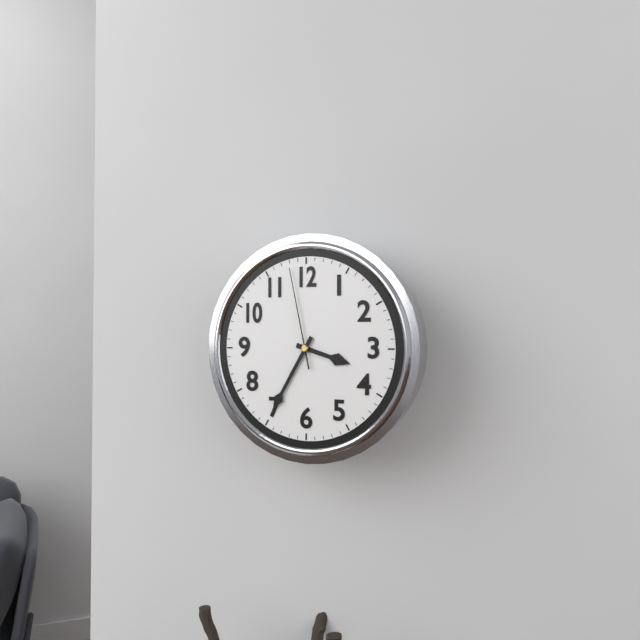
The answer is **3:35:58**
